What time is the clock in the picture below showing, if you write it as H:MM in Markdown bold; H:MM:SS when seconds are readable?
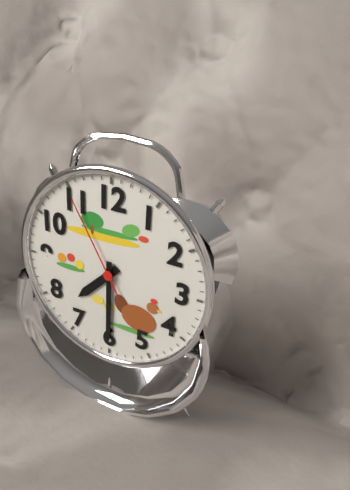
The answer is **7:30:55**
